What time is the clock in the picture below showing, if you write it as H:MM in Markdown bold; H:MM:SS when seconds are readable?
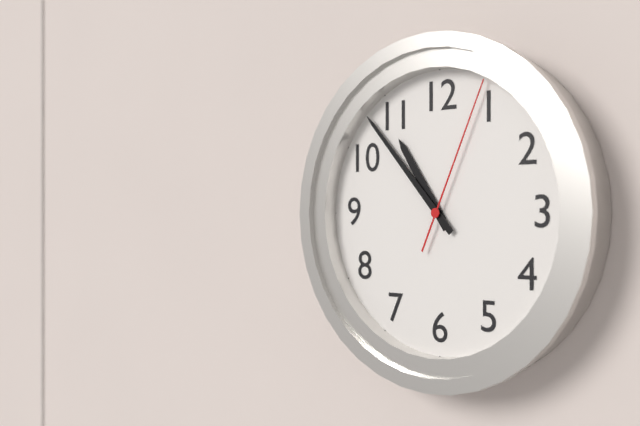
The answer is **10:53:04**
